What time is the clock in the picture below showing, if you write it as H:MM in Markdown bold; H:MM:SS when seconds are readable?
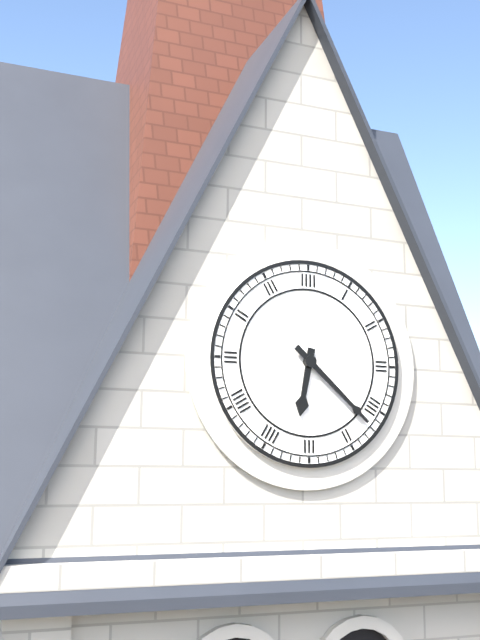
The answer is **6:22**
